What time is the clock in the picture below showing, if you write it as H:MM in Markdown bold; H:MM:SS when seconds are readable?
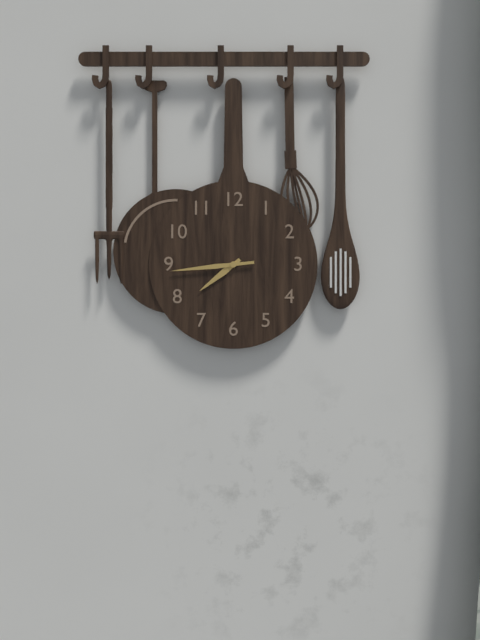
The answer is **7:44**
